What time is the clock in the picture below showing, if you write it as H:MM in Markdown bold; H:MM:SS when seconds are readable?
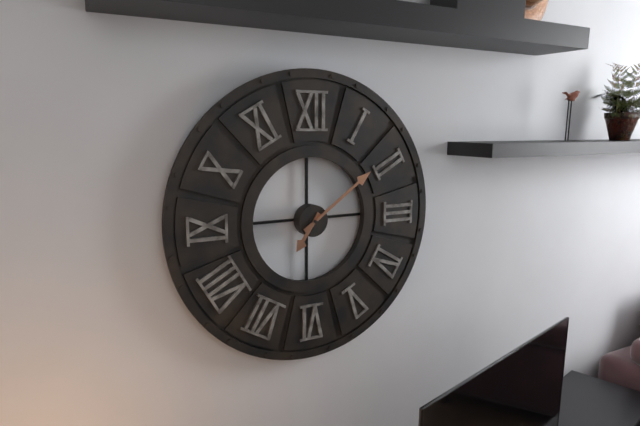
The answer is **7:09**
